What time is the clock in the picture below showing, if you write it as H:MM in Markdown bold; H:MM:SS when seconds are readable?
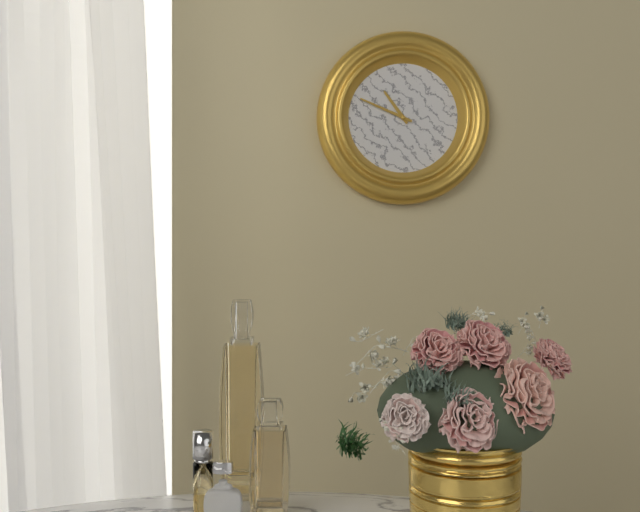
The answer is **10:49**
